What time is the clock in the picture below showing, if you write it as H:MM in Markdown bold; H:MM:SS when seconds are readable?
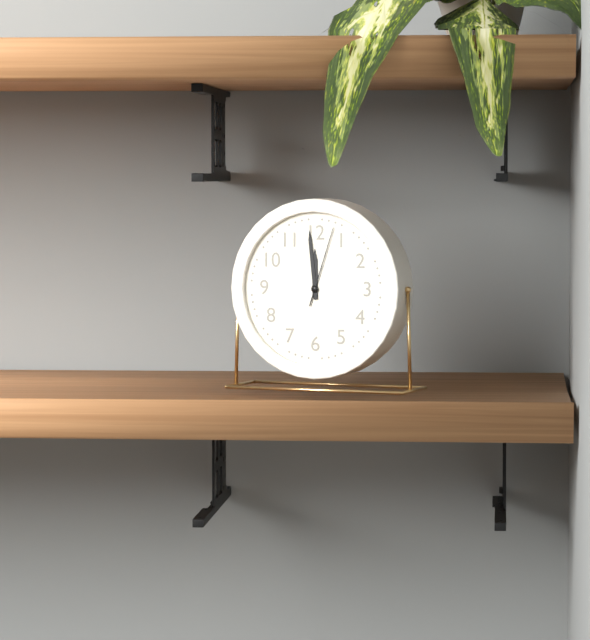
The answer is **11:59:03**
